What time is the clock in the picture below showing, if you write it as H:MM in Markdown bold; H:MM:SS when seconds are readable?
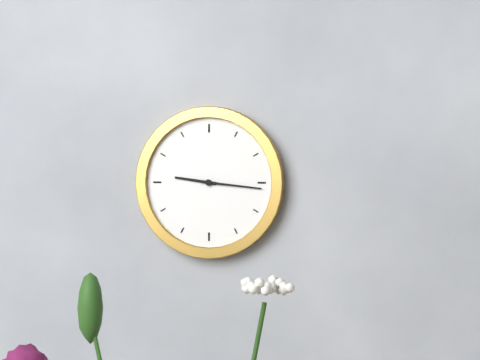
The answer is **9:16**
